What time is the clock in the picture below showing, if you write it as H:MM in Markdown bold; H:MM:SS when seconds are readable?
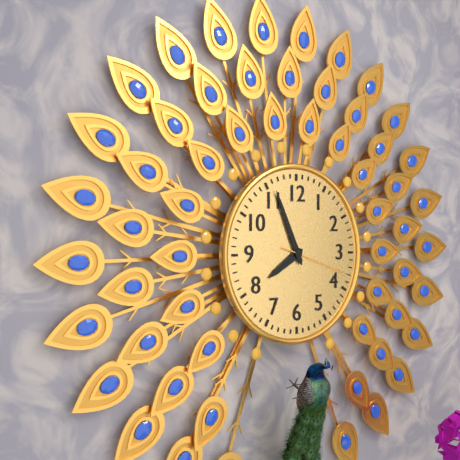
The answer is **7:56:18**
